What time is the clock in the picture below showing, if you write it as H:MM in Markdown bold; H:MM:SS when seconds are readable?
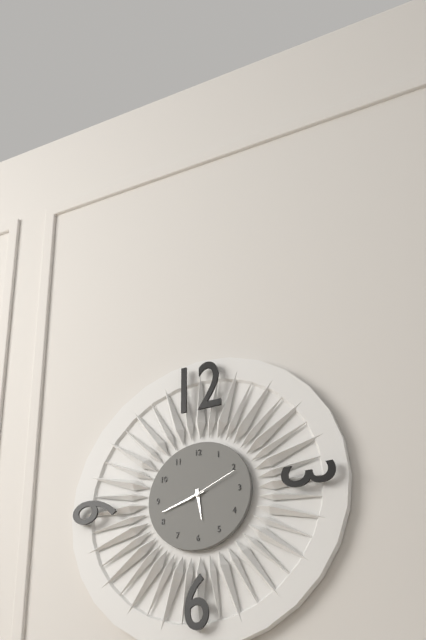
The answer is **5:42:11**
